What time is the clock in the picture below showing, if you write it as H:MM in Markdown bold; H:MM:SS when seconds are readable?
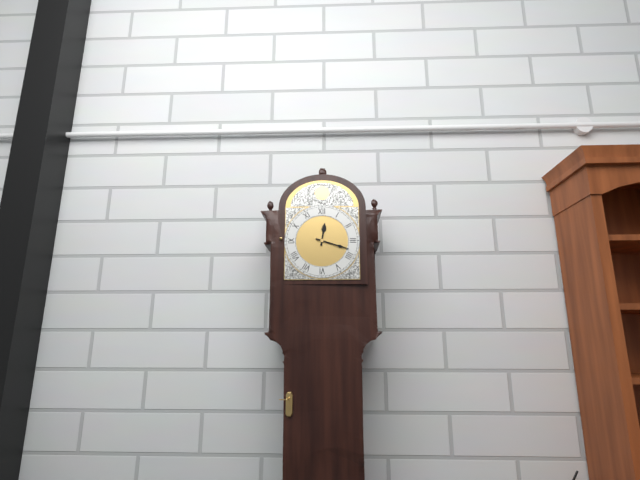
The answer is **12:18**
